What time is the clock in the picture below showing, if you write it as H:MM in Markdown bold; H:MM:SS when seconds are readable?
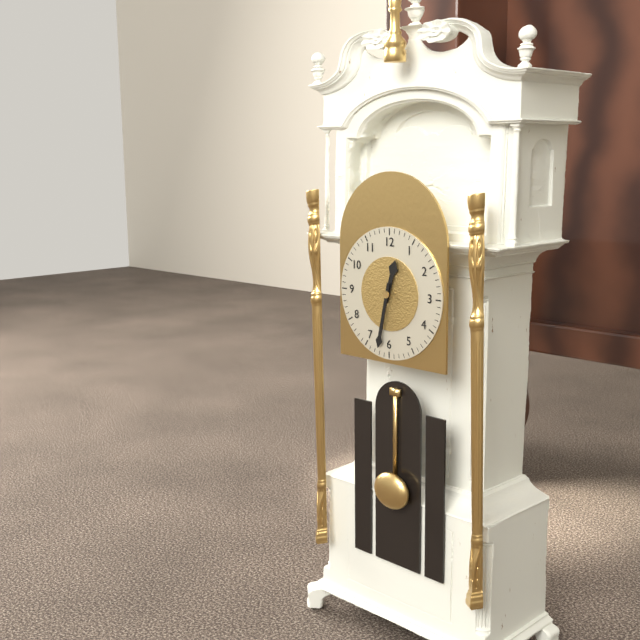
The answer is **12:32**
